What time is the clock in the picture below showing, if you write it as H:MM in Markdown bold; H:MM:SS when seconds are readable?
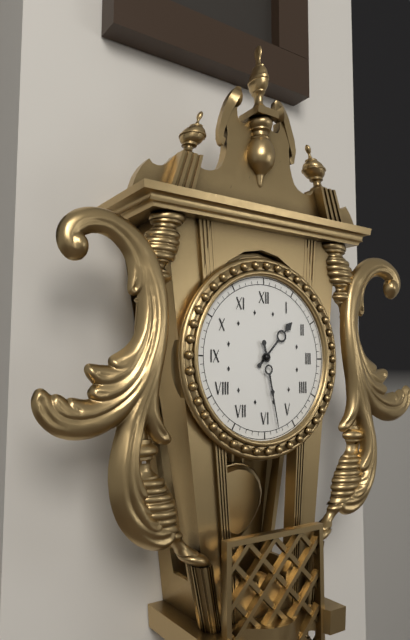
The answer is **1:28**
